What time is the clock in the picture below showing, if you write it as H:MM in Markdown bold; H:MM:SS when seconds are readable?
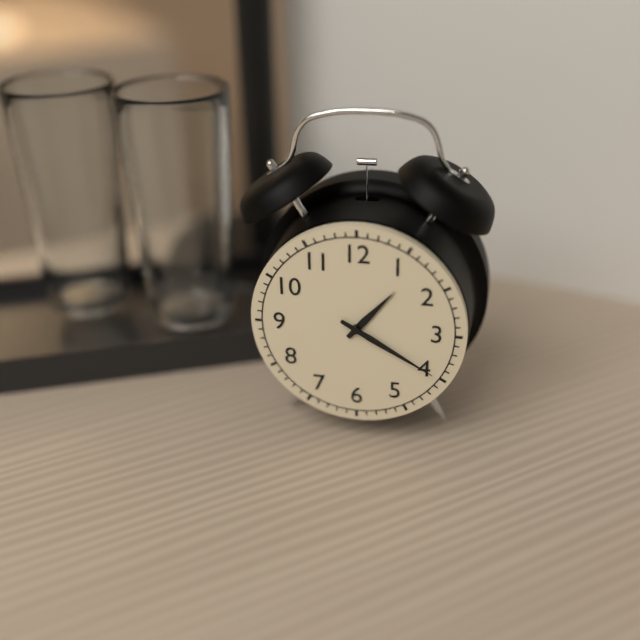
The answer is **1:20**
